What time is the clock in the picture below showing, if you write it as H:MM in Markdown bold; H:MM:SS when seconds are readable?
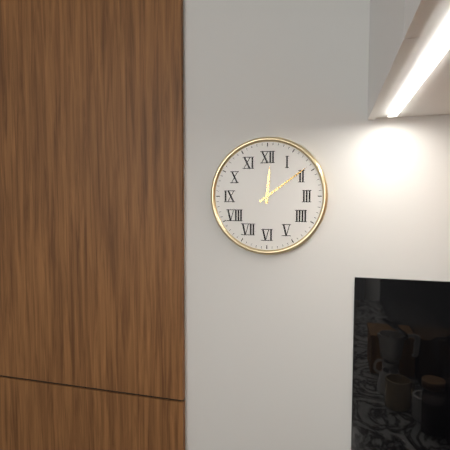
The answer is **12:09**
